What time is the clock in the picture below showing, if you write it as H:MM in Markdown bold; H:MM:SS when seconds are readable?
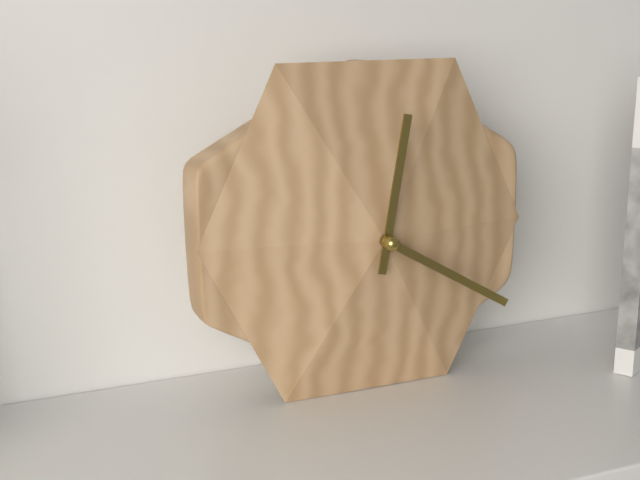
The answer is **12:20**
